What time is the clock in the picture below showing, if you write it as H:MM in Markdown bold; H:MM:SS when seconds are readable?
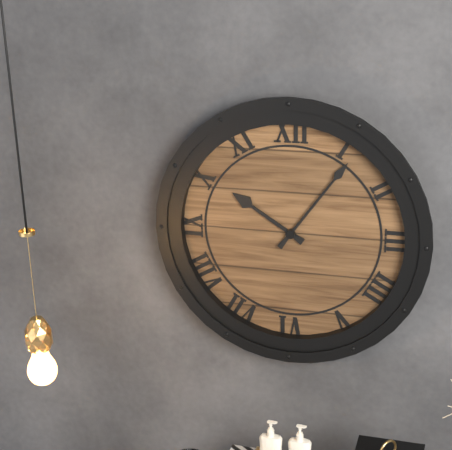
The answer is **10:06**
